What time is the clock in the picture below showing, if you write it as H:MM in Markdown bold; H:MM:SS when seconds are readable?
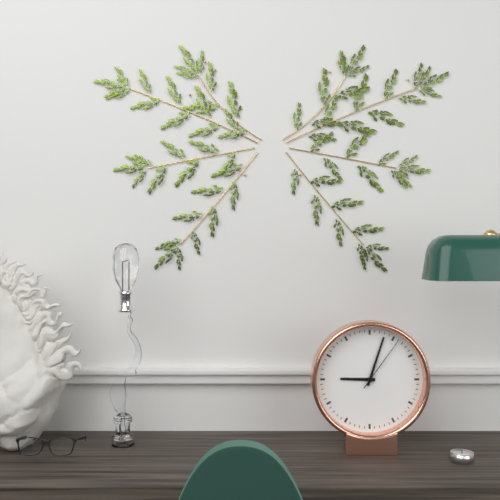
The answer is **9:03:06**
